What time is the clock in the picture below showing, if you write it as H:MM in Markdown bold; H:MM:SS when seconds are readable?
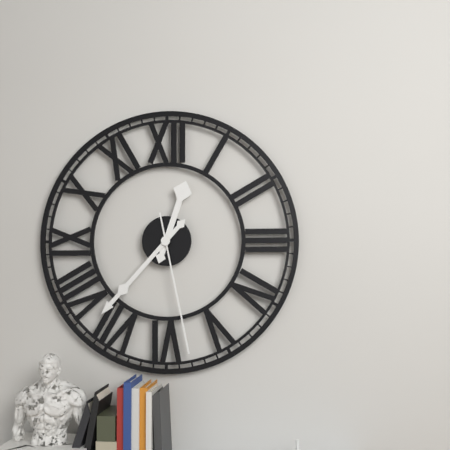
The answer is **12:37:28**
